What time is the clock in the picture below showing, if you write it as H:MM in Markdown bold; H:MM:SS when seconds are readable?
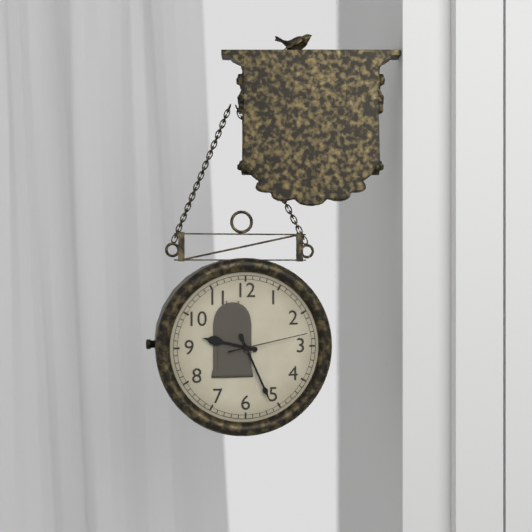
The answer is **9:26:13**
